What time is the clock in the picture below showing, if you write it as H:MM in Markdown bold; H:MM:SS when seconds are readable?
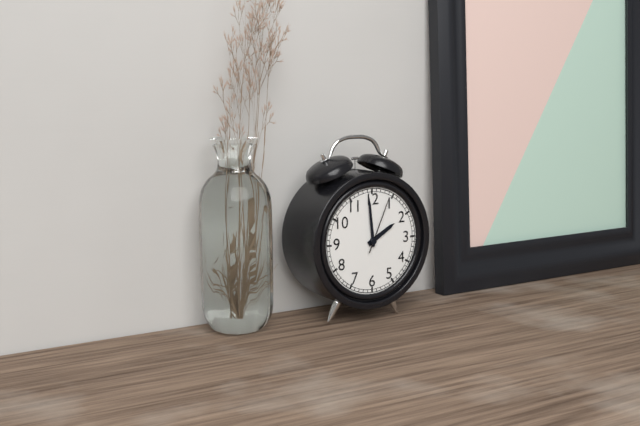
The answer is **1:59:04**
